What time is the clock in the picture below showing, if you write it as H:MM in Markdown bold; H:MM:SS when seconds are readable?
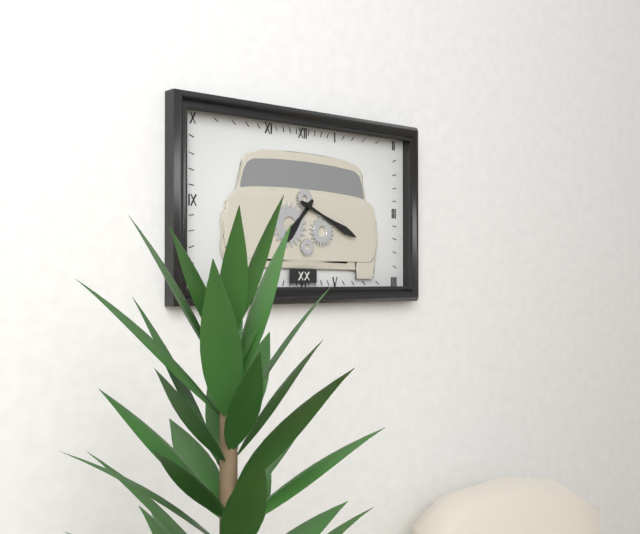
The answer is **7:19**
